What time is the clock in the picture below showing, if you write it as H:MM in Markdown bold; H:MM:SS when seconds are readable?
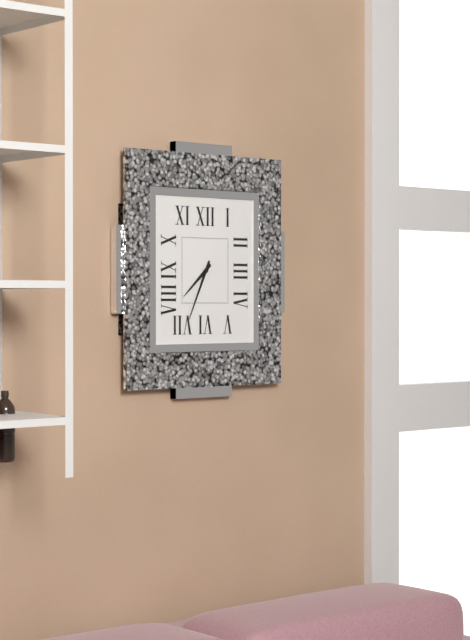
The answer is **7:34**
